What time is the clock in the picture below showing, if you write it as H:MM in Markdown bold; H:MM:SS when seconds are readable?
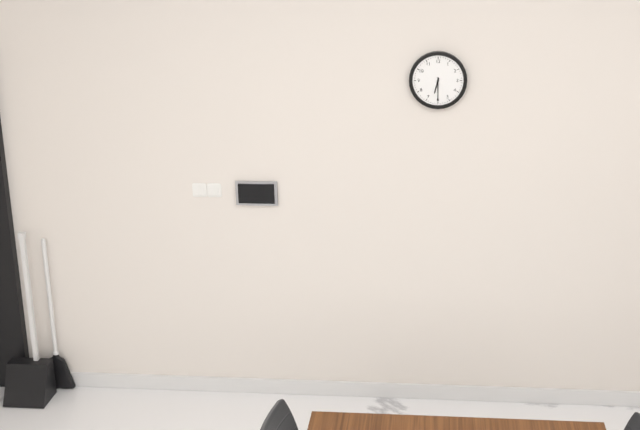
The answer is **6:30**
